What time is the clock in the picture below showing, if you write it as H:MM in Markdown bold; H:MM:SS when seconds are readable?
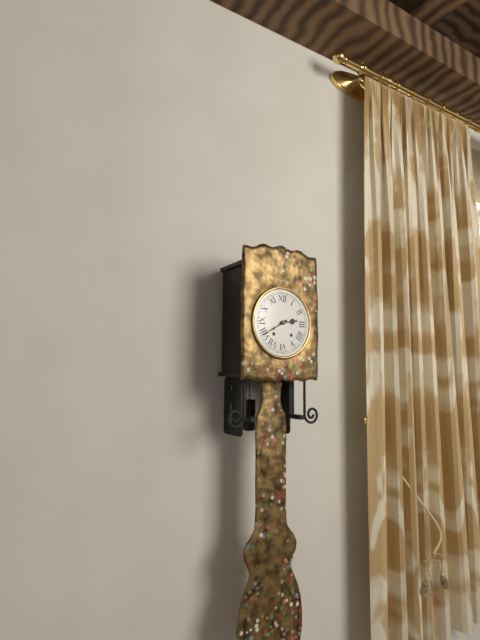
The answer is **2:40**
